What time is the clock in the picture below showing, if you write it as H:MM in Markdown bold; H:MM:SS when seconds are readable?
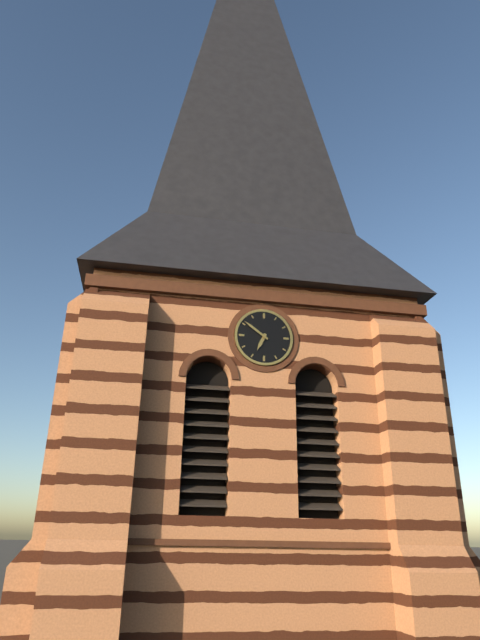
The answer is **6:51**
